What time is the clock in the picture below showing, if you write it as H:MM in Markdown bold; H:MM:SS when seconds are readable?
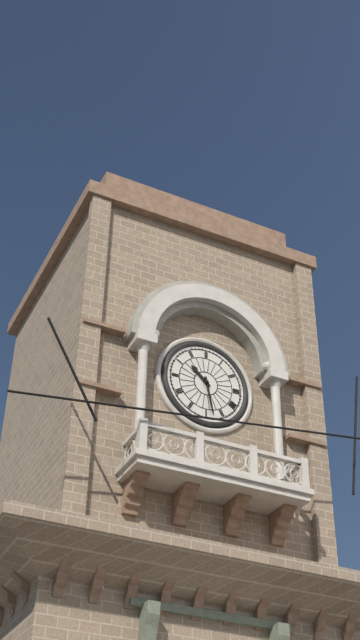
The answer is **10:28**
